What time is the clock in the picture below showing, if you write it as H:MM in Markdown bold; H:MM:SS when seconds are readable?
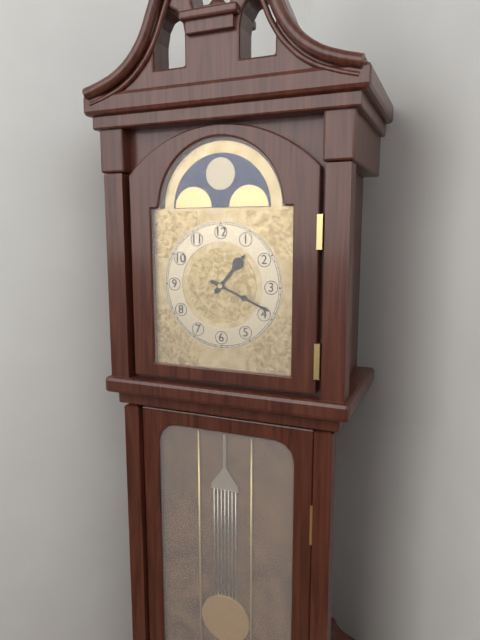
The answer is **1:19**
